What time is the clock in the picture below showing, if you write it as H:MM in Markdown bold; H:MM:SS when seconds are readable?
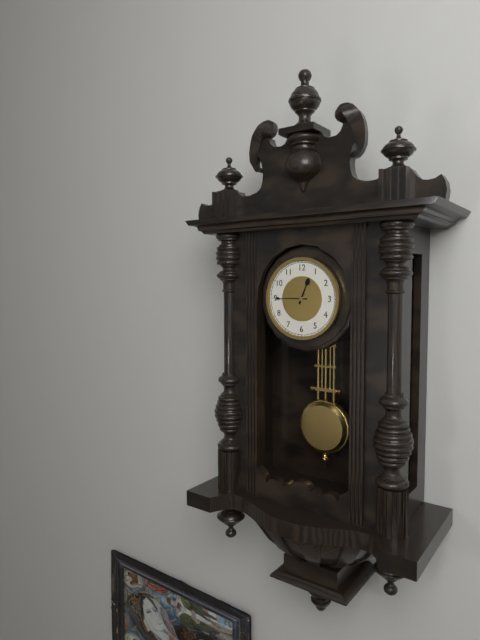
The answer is **12:45**
